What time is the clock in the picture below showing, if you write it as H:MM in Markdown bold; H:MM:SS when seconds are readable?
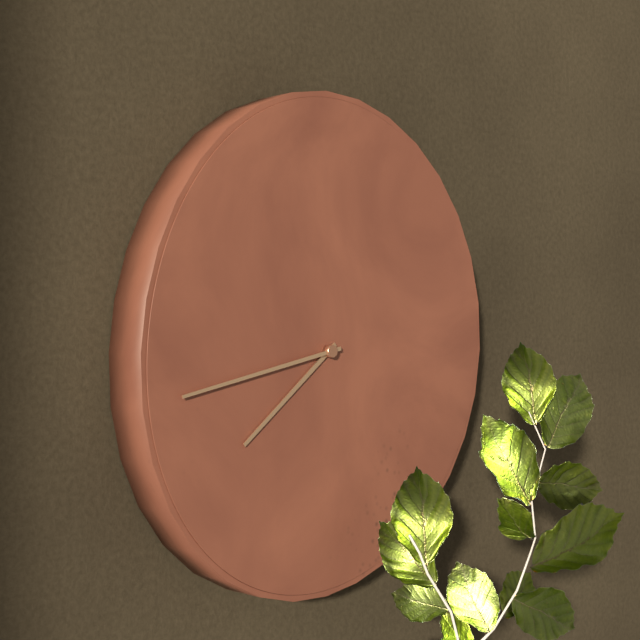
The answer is **7:43**
